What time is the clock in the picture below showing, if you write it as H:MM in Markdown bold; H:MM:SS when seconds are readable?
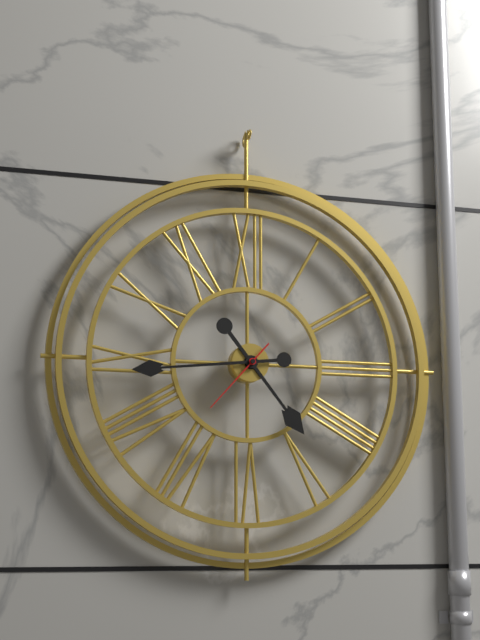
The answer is **4:44:37**
